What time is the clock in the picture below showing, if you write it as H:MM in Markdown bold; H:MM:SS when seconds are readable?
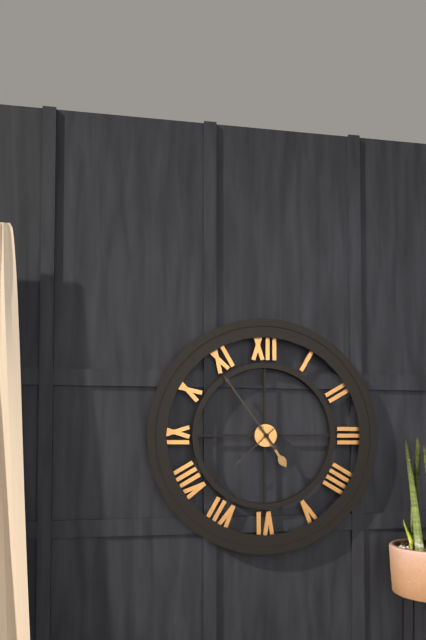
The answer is **4:54:38**
